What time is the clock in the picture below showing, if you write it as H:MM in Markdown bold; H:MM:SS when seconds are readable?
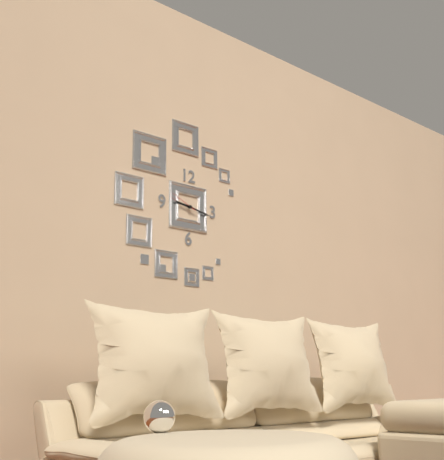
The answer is **9:17**
